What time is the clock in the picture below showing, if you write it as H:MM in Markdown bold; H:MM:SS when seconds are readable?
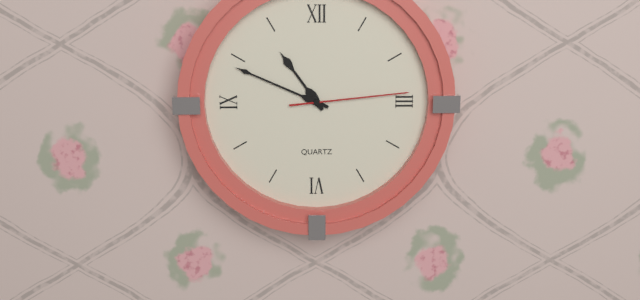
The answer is **10:49:14**
